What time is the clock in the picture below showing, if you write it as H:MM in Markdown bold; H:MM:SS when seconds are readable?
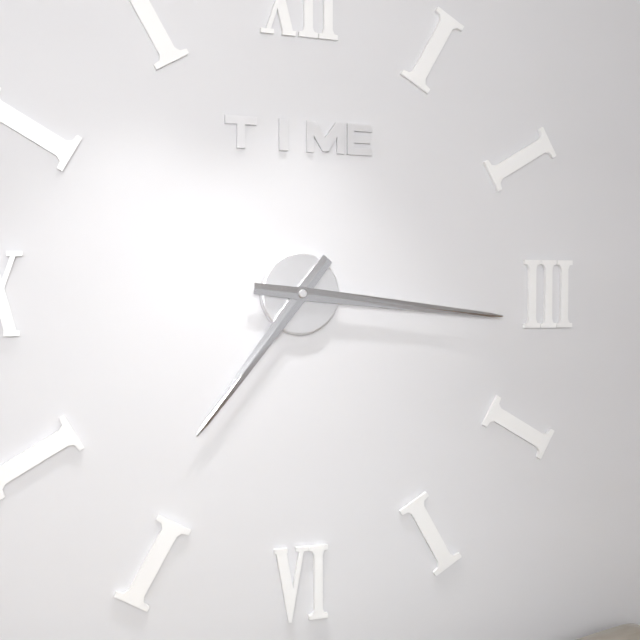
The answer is **7:16**
